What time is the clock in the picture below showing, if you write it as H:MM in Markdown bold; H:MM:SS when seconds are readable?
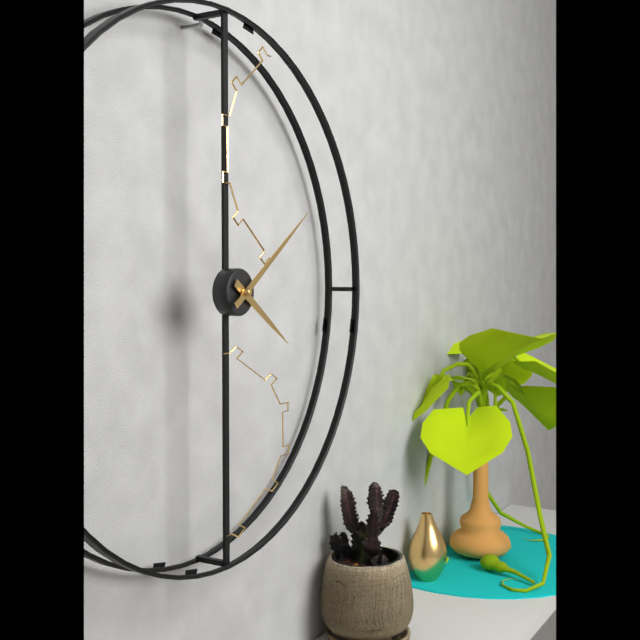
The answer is **4:09**
